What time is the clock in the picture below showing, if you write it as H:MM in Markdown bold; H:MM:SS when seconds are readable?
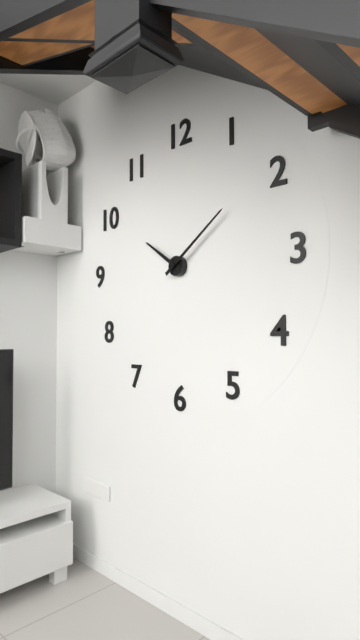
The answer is **10:09**
